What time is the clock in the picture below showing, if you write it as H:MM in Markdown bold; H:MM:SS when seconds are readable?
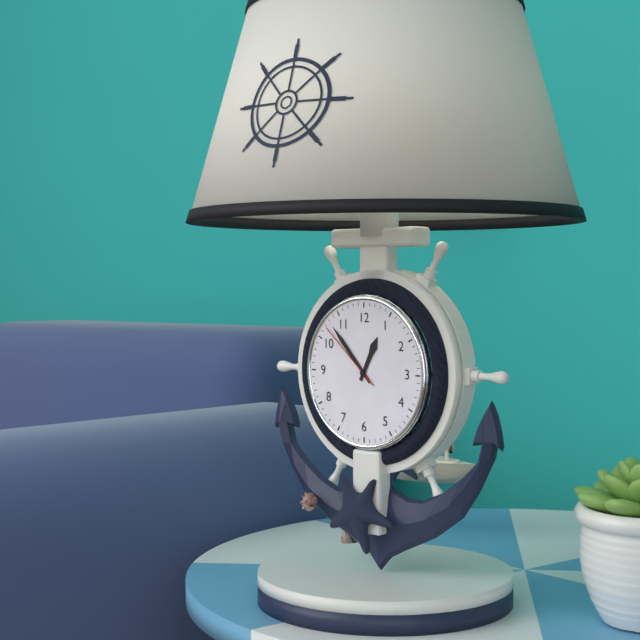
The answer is **12:53:52**
